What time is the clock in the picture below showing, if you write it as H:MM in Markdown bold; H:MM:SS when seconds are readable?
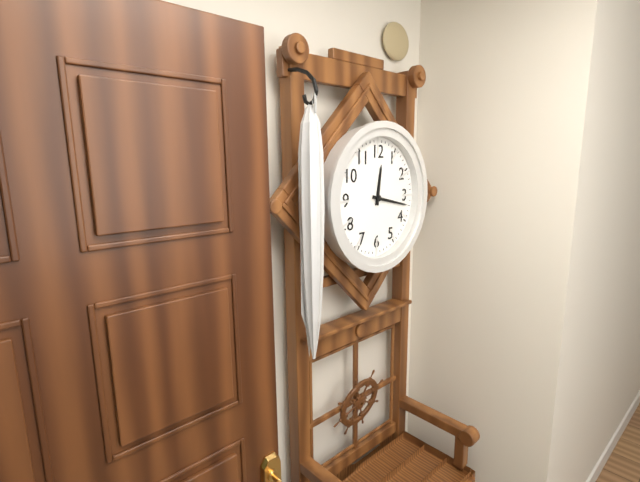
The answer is **12:17**
